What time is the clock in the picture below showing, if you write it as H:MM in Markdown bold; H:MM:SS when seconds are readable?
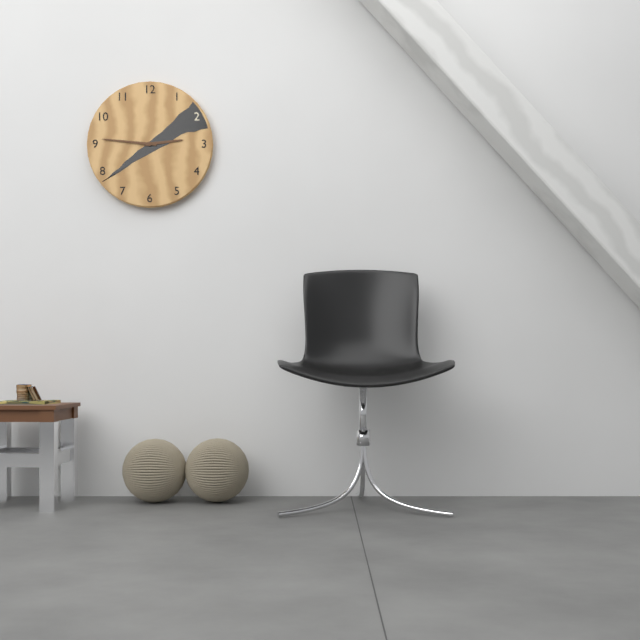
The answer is **2:46**
